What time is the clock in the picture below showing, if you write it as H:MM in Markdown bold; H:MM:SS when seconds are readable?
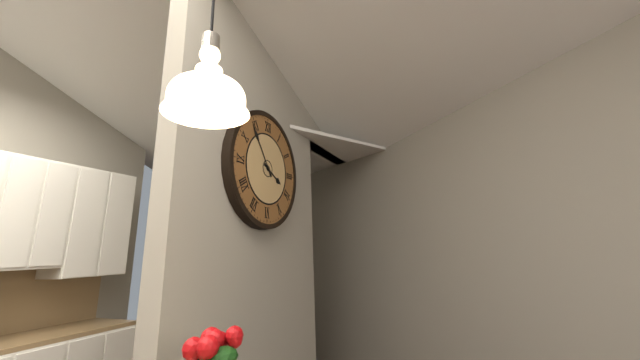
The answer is **3:54**
